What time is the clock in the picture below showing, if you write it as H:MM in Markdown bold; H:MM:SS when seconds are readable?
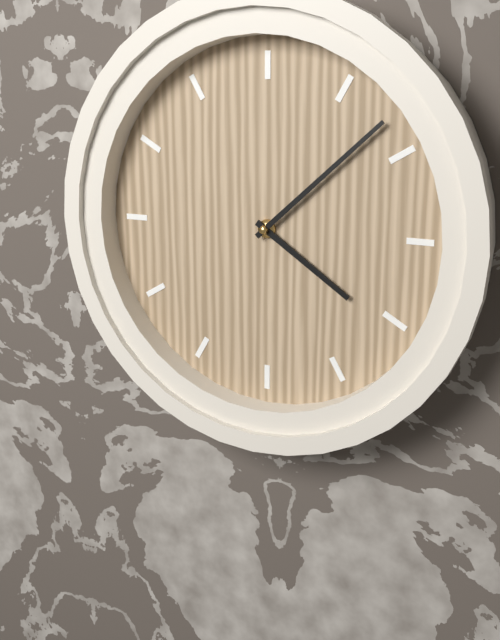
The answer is **4:08**
